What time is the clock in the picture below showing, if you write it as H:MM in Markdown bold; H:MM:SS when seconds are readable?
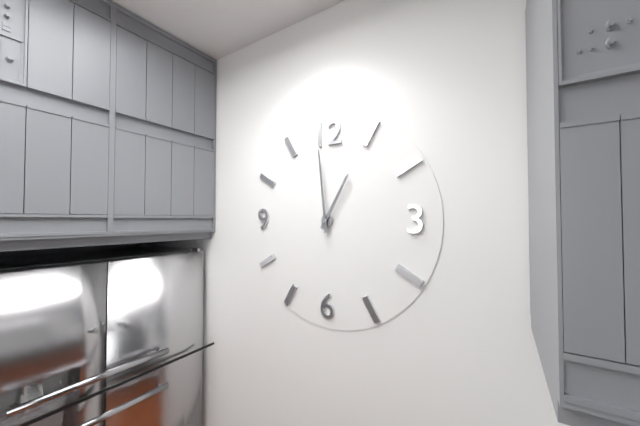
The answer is **12:59**
